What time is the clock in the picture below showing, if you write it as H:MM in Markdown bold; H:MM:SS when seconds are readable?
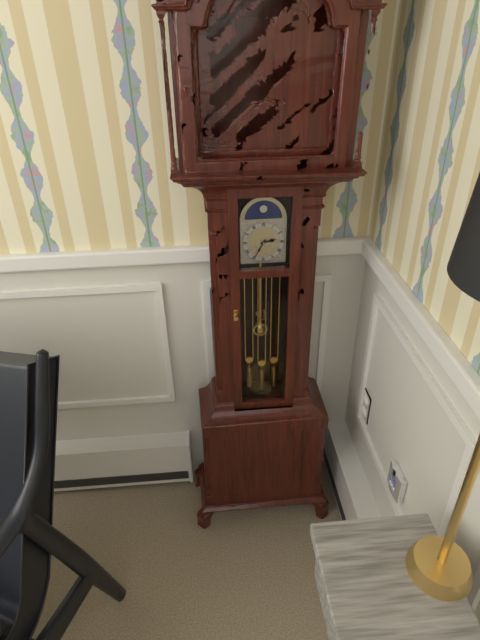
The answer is **2:35**
